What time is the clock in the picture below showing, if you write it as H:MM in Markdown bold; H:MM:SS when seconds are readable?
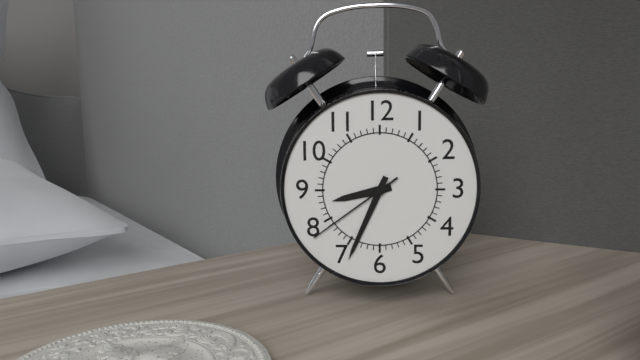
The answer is **8:34:39**
